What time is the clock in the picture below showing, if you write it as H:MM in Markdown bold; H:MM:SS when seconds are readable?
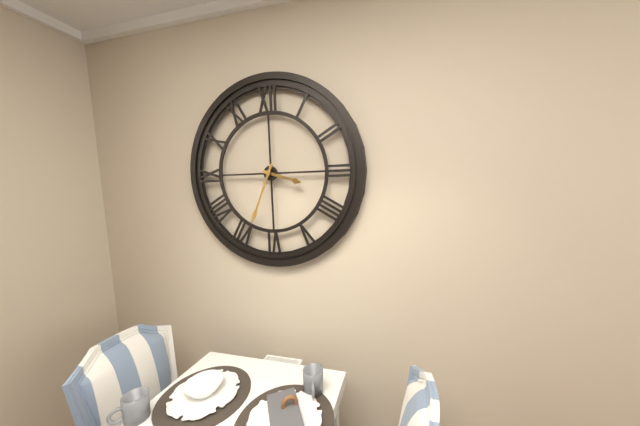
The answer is **3:34**
